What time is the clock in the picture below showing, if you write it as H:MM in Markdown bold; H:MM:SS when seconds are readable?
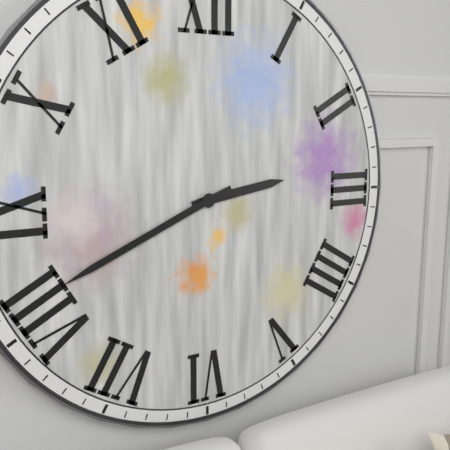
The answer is **2:41**
